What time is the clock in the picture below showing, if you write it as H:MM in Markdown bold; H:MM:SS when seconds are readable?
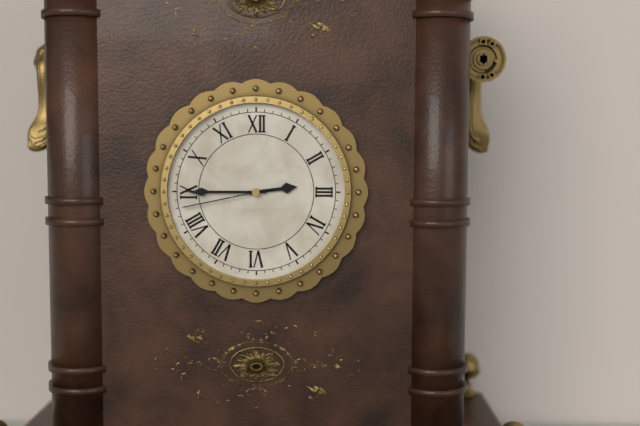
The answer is **2:45:43**
